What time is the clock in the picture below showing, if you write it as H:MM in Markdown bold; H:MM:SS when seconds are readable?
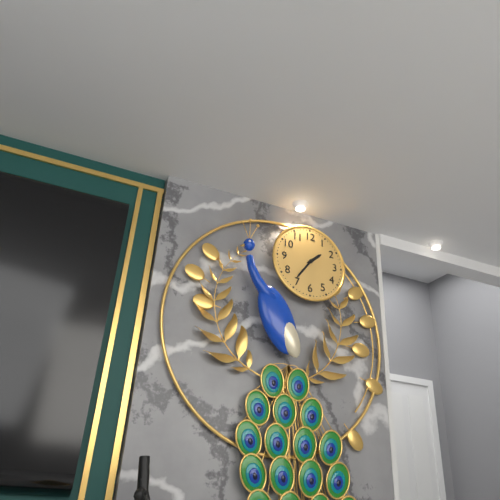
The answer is **1:36**
